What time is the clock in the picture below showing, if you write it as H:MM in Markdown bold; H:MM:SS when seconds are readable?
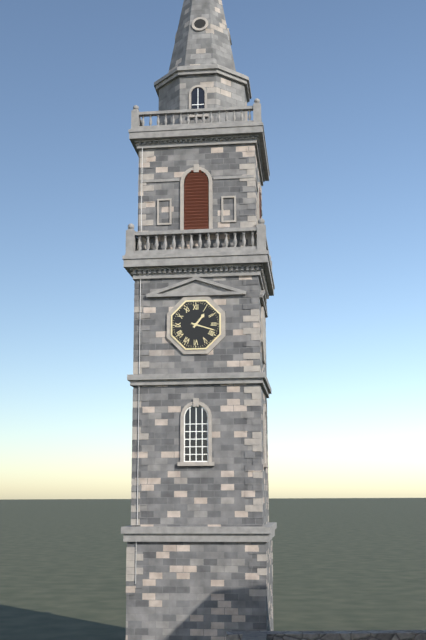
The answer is **1:18**
